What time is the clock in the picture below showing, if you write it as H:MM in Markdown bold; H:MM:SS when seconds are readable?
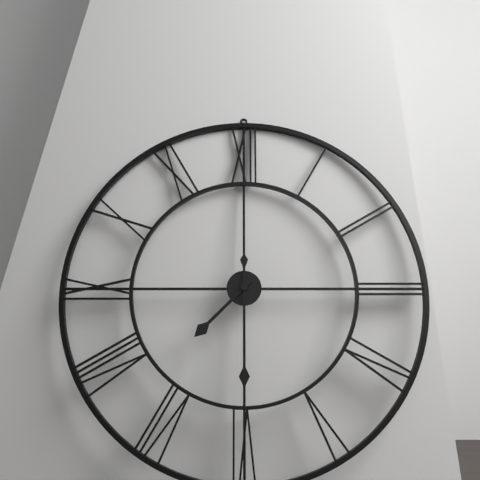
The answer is **7:30**
